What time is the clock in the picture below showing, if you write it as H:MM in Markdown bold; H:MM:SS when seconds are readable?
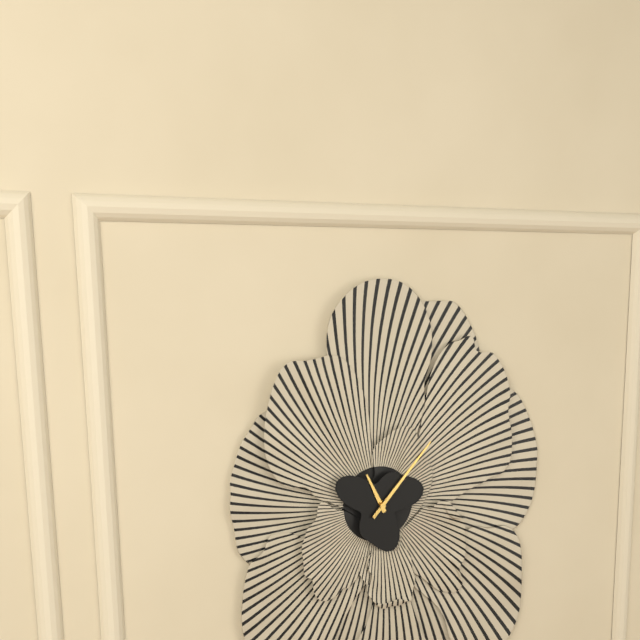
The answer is **11:07**
